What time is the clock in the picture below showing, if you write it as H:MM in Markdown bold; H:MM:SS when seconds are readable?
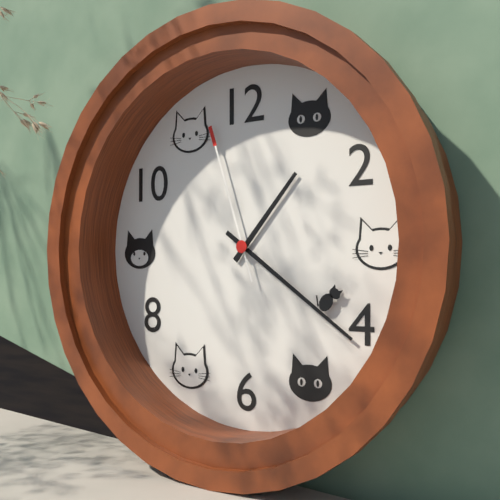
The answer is **1:21:57**
